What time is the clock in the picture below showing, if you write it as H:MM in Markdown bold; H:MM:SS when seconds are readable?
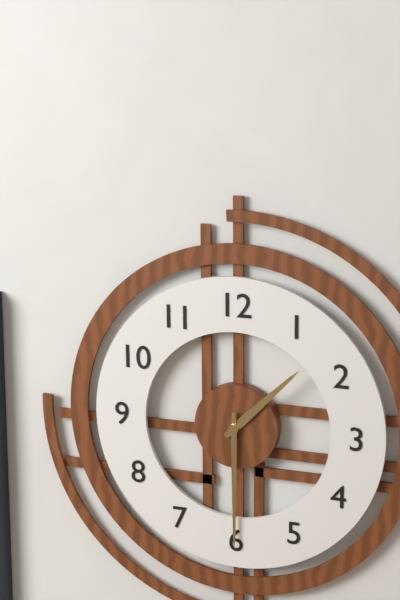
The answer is **1:30**
